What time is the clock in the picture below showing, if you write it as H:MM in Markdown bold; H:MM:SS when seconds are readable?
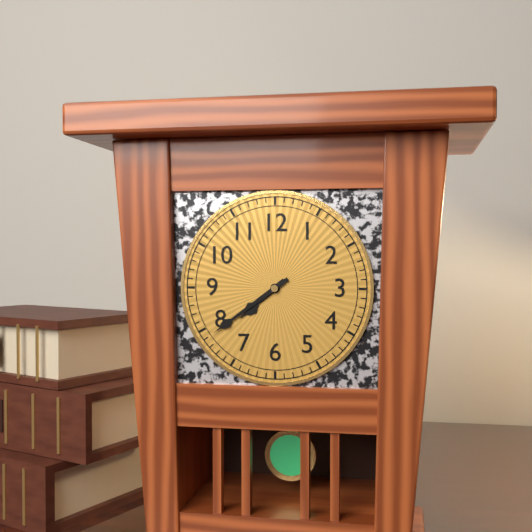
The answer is **7:39**
